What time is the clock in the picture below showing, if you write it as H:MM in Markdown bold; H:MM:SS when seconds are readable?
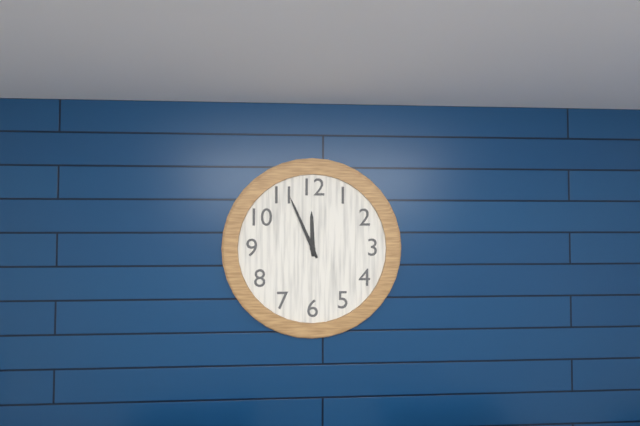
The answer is **11:56**
